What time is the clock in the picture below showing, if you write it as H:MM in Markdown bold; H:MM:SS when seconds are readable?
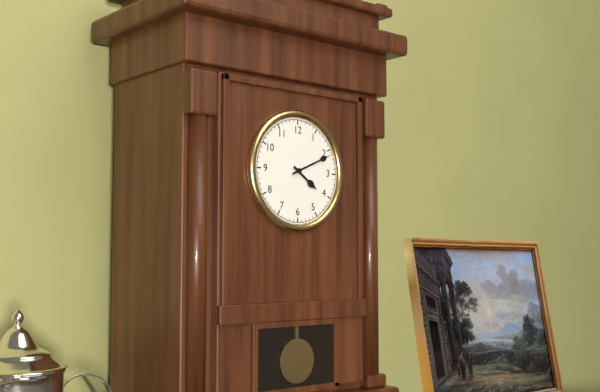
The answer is **4:11**
